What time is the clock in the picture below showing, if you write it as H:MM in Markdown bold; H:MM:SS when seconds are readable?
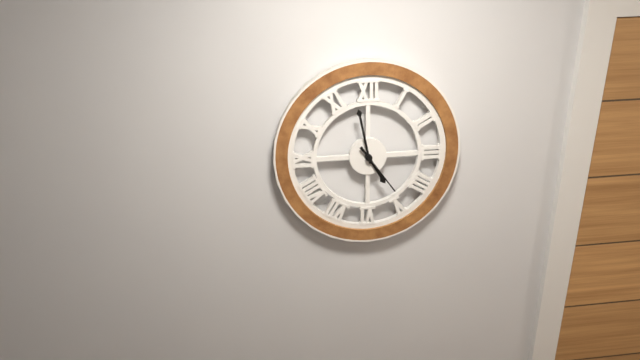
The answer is **4:58:24**
